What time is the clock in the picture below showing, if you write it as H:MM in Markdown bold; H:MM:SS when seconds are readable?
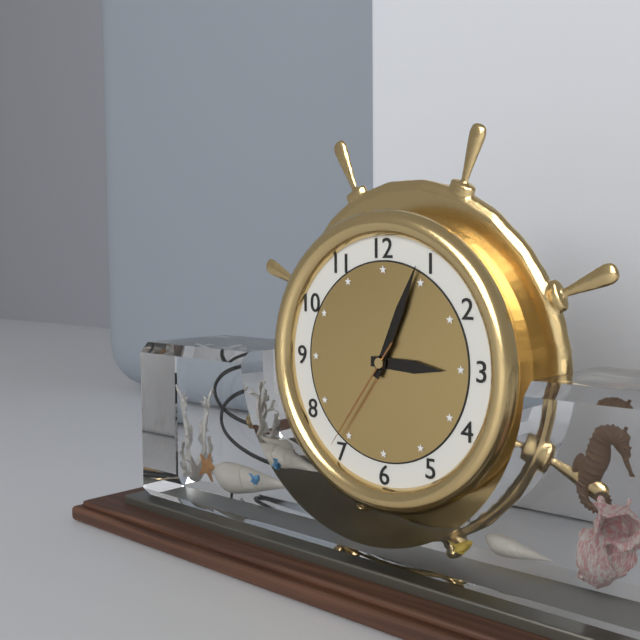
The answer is **3:04:36**
